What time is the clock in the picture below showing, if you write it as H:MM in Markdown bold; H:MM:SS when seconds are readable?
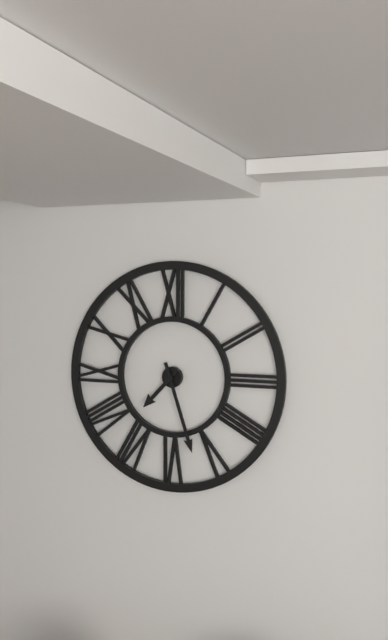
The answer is **7:27**
